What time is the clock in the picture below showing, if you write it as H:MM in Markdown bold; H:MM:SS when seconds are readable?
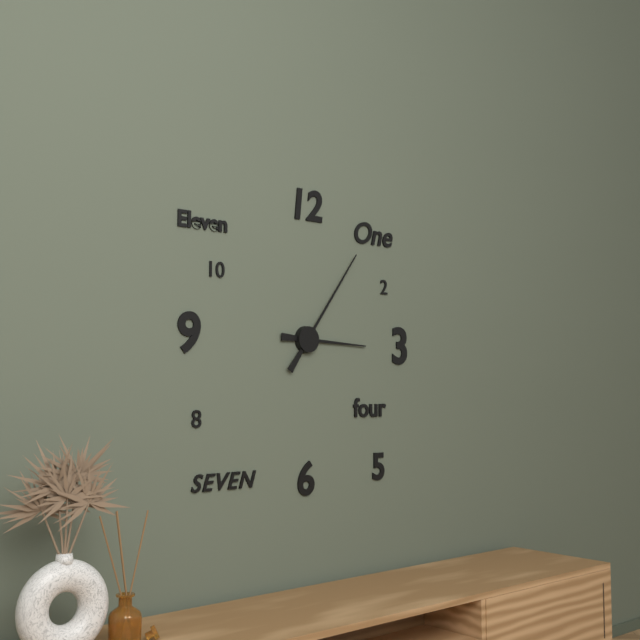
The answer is **3:06**
